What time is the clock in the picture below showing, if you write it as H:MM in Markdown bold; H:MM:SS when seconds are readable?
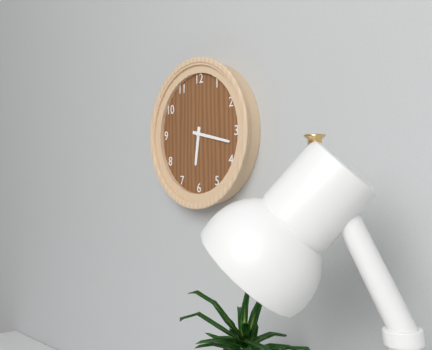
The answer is **6:17**
